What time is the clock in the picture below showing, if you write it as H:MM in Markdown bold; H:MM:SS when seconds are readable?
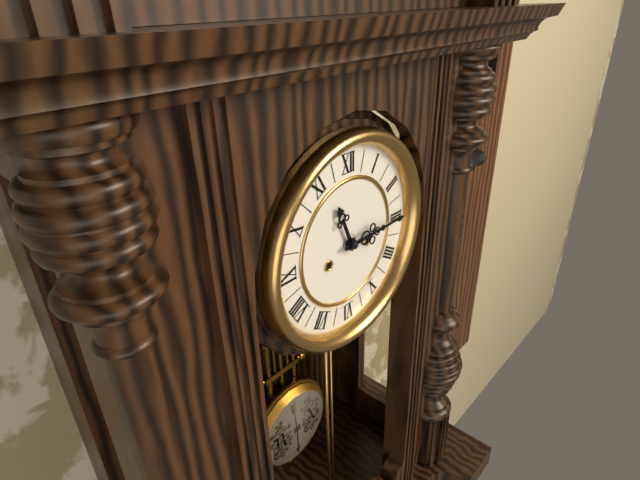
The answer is **11:15**
